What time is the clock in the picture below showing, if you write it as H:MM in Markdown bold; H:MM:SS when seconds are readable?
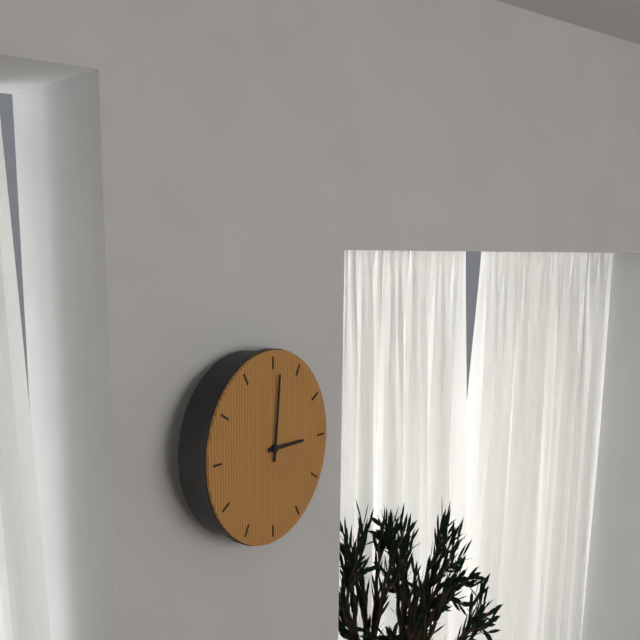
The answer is **3:01**
